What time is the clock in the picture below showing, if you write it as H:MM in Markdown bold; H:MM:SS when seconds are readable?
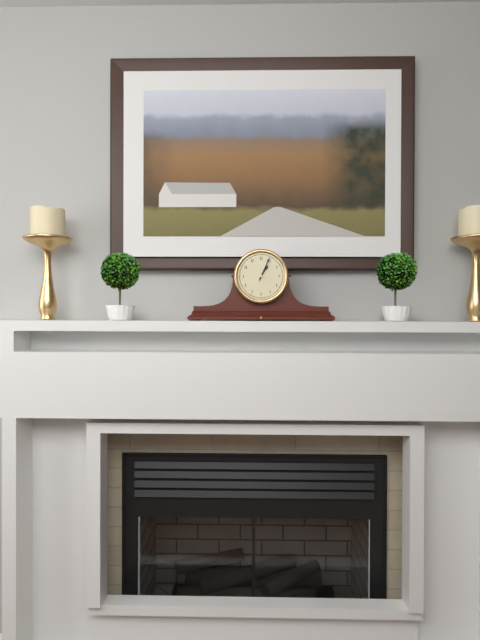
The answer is **1:04**
